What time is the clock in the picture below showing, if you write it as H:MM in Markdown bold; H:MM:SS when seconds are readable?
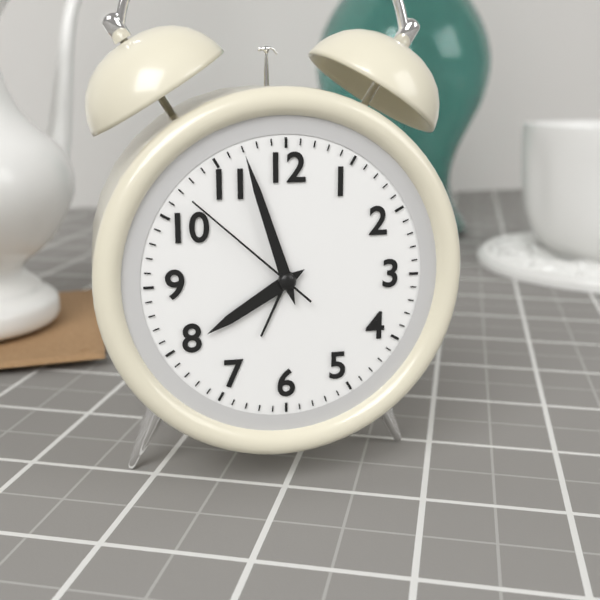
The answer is **7:57:52**
